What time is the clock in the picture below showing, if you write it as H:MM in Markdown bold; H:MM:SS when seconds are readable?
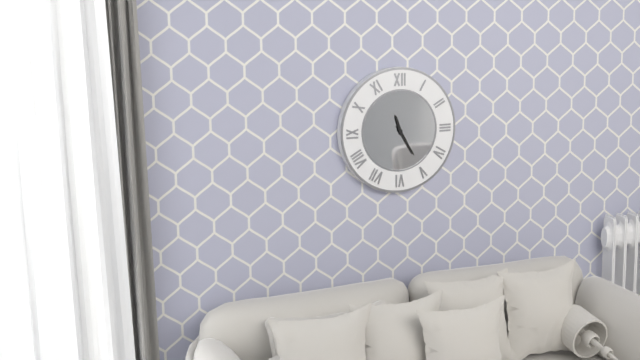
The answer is **11:25**
